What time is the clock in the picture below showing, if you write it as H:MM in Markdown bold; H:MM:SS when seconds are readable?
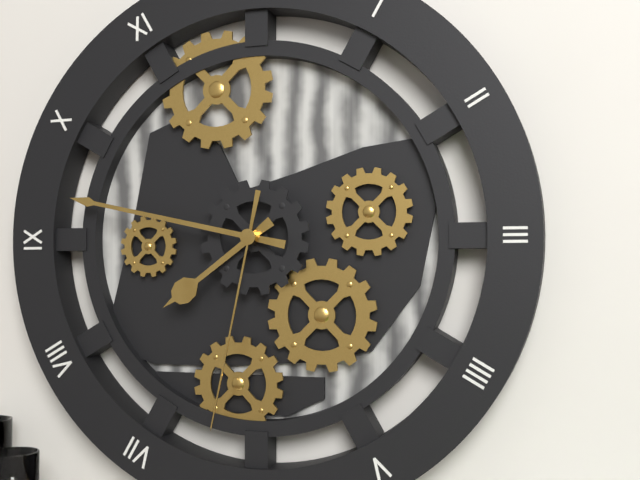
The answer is **7:47:32**
